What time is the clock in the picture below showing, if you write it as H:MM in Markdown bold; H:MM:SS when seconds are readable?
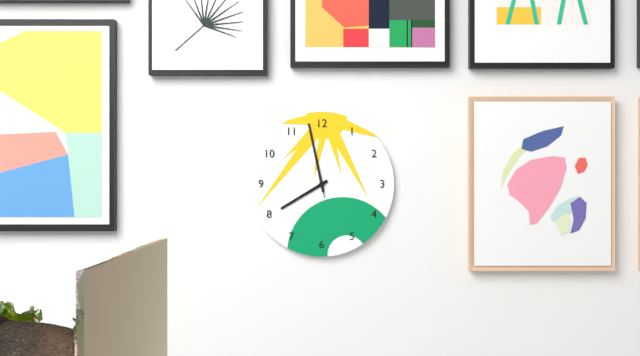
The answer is **7:58:58**
